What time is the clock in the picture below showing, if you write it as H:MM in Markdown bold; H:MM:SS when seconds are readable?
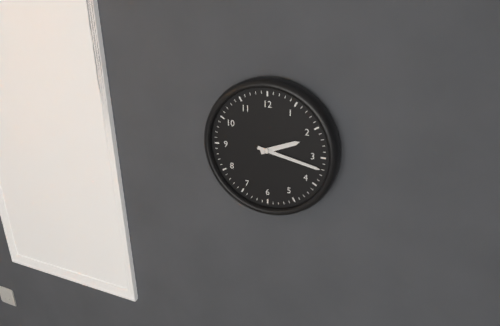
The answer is **2:17**
